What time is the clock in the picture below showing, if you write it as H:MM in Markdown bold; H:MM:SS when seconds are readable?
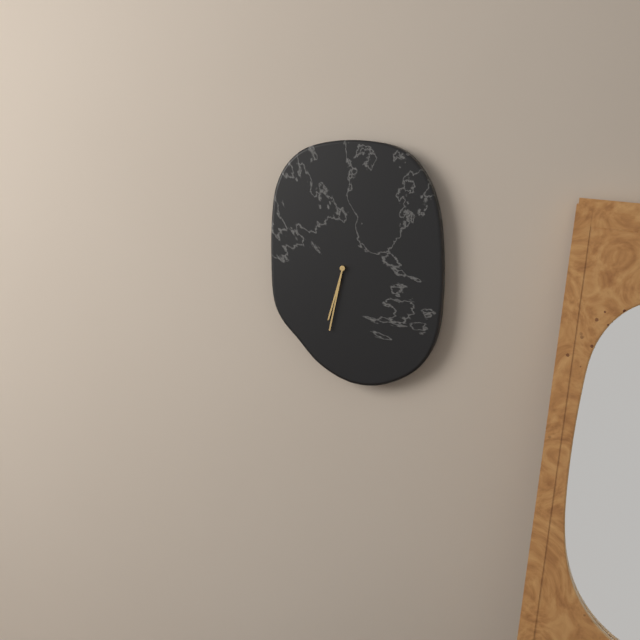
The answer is **6:32**
